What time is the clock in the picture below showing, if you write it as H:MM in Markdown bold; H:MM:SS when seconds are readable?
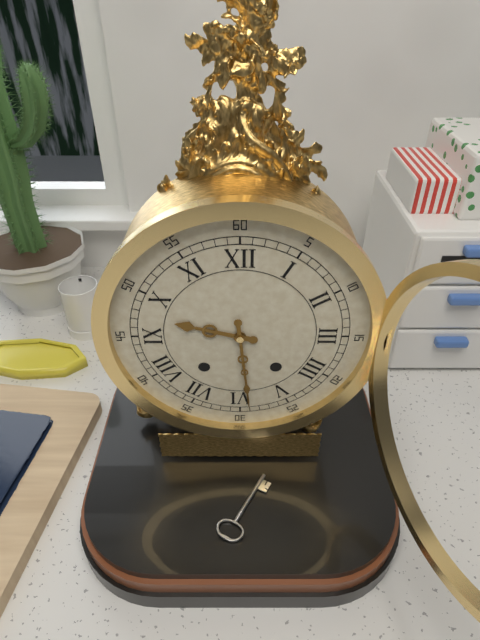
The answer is **9:29**
